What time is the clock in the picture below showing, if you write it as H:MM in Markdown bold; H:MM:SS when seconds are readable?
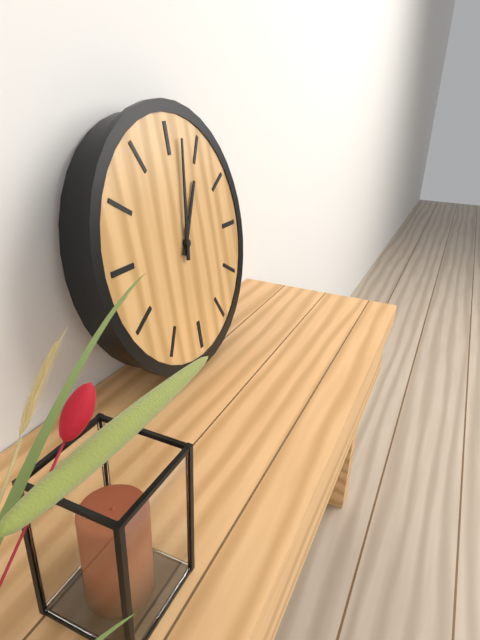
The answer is **1:02**
